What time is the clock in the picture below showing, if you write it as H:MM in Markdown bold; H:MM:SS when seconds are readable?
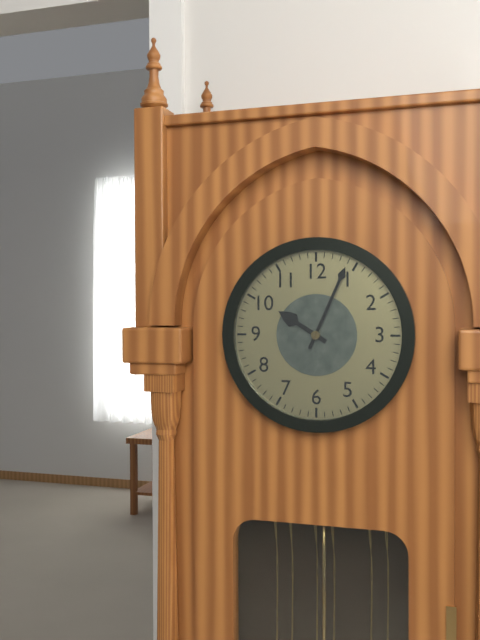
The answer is **10:04**
